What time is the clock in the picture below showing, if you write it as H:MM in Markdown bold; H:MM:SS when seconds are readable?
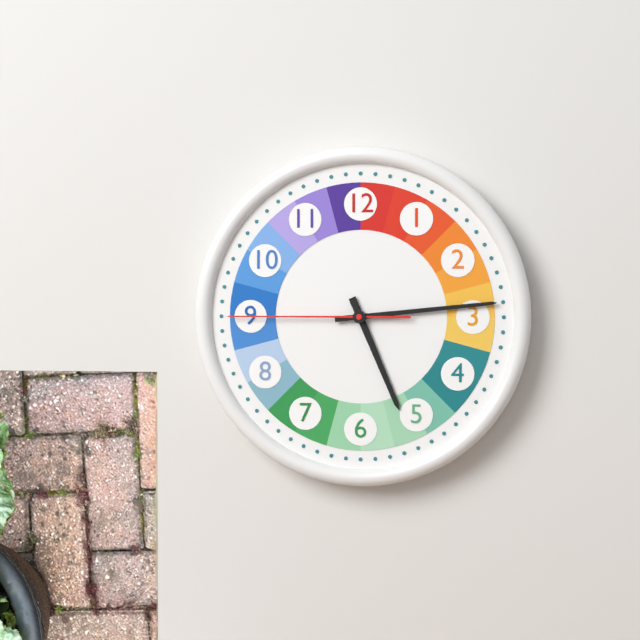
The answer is **5:14:45**
